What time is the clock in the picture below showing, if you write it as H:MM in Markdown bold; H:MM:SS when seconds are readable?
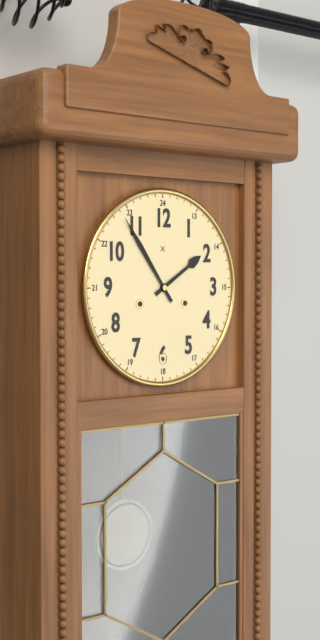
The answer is **1:54**
